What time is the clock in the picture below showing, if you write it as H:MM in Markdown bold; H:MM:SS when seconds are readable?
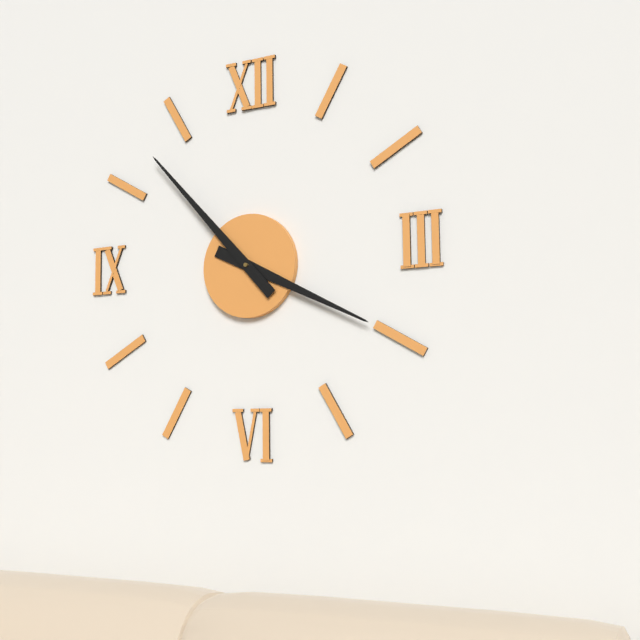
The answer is **3:53**
